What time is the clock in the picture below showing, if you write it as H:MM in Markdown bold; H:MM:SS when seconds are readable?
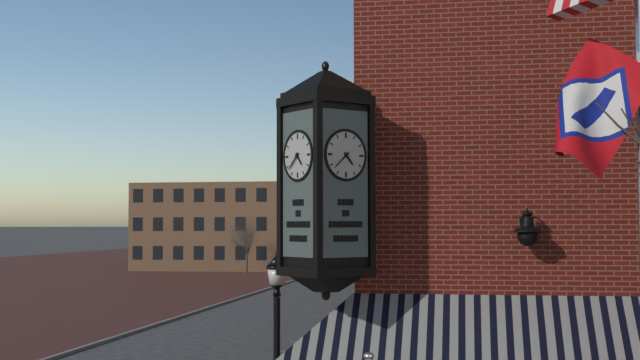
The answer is **4:38**
